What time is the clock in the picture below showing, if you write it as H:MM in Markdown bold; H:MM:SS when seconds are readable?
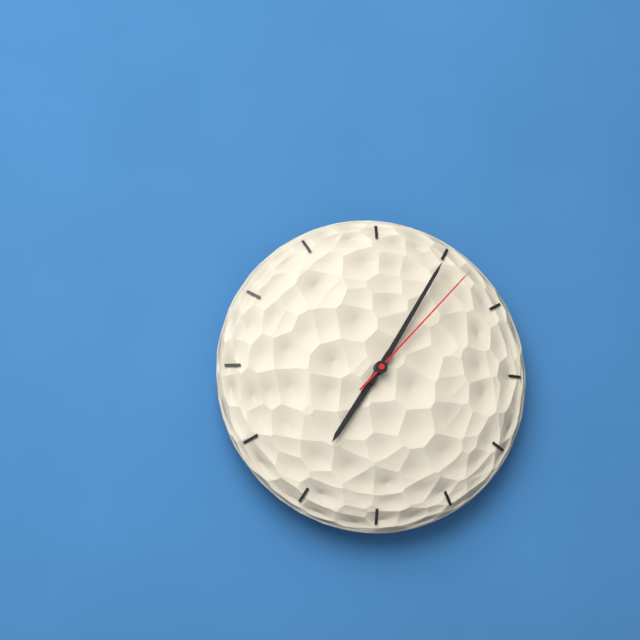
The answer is **7:05:07**
